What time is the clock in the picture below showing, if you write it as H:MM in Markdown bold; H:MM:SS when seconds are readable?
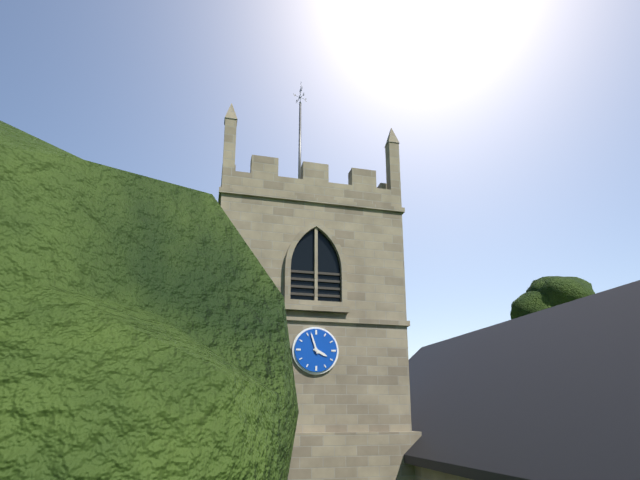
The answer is **3:57**
